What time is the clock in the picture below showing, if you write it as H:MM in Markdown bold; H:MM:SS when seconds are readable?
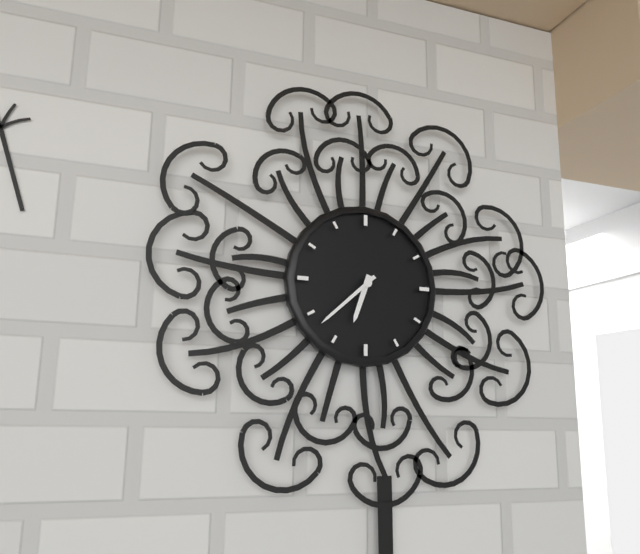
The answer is **6:38**
